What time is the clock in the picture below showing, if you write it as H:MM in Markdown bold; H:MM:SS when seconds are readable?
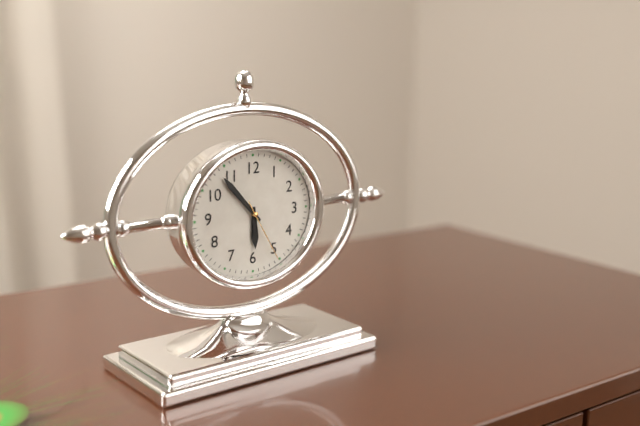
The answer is **5:53:25**
